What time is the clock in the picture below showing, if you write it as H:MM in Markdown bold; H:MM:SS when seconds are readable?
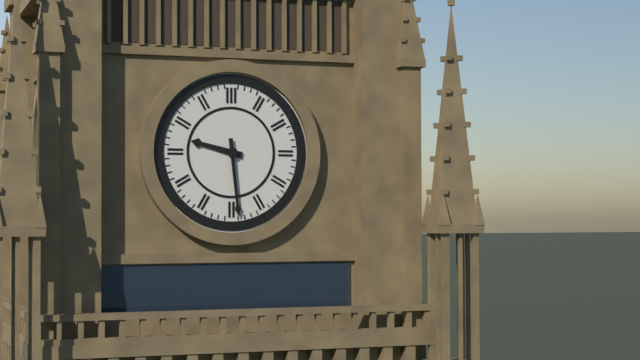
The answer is **9:29**
